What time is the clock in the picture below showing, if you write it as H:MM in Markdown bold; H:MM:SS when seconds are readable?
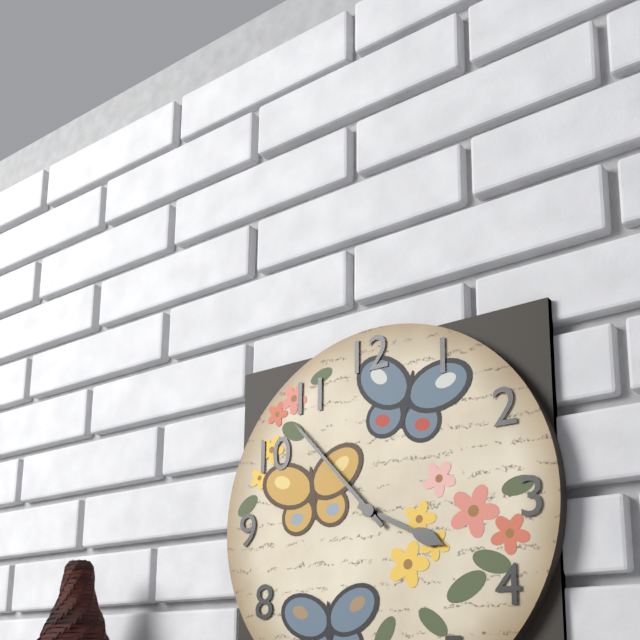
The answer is **3:53**
